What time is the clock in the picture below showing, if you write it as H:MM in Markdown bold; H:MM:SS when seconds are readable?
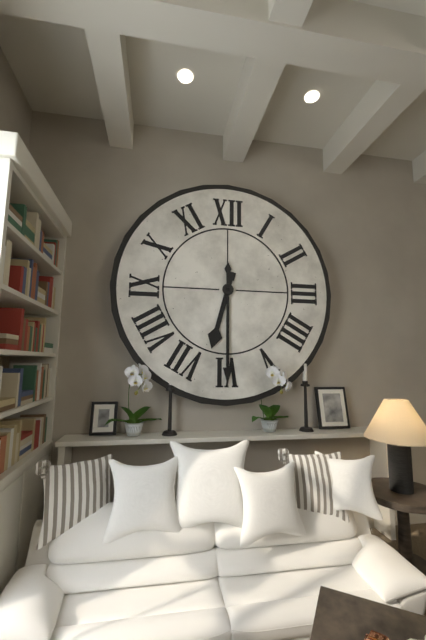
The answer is **6:30**
